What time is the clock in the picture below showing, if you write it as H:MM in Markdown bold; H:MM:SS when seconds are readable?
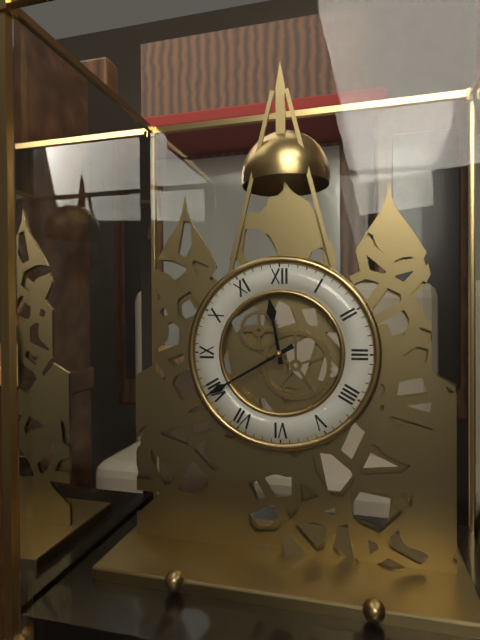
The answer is **11:40**
